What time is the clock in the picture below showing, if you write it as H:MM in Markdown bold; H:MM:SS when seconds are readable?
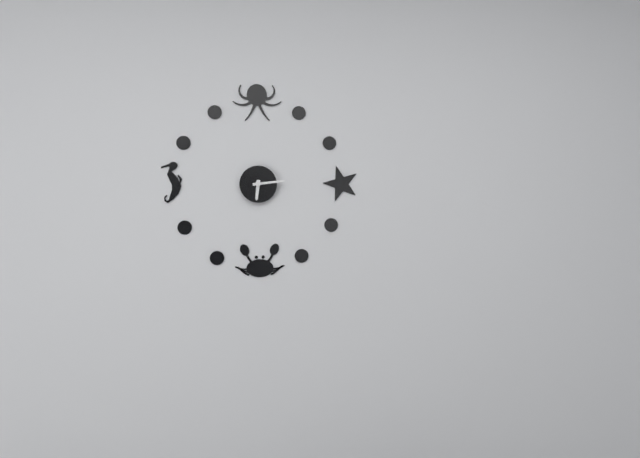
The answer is **6:14**
